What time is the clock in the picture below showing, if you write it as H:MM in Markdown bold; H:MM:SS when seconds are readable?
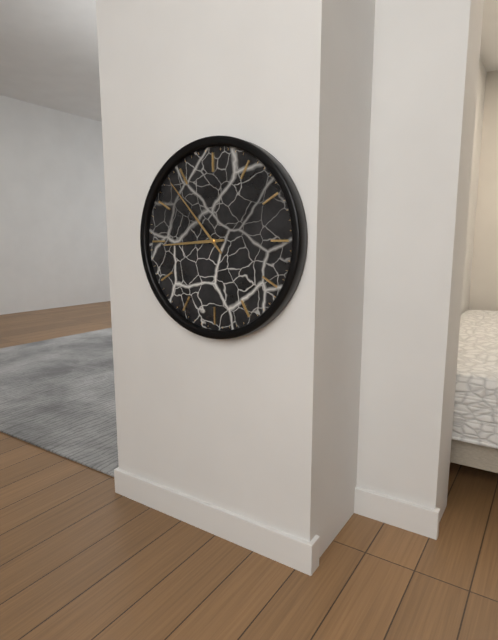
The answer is **8:53**
